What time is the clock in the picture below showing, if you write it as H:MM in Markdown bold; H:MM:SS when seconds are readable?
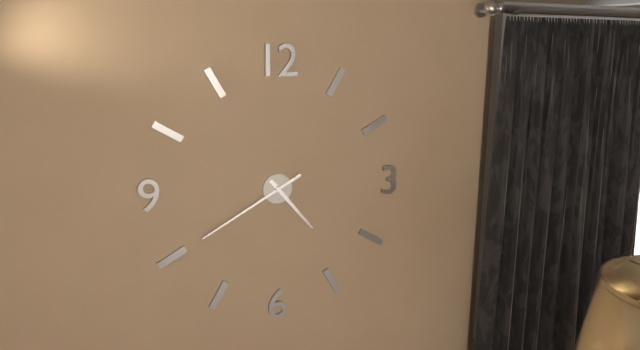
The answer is **4:40**
